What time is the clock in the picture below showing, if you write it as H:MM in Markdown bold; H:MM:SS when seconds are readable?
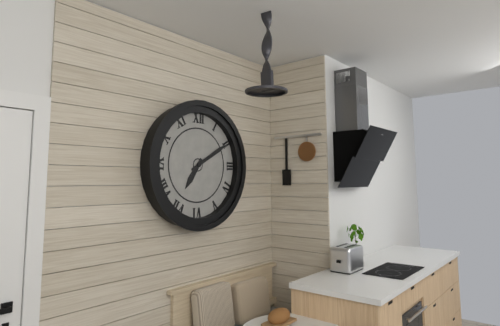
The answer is **7:10**
